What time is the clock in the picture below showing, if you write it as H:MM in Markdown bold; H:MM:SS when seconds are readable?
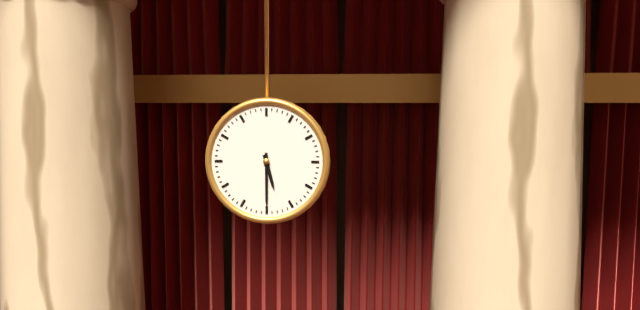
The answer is **5:30**
